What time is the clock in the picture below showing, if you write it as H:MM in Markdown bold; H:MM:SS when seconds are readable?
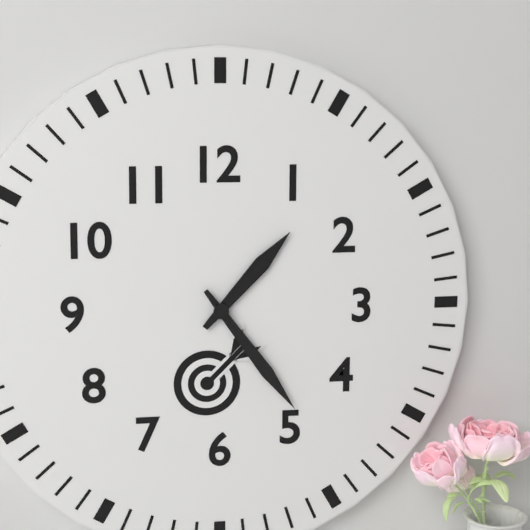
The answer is **1:24**
